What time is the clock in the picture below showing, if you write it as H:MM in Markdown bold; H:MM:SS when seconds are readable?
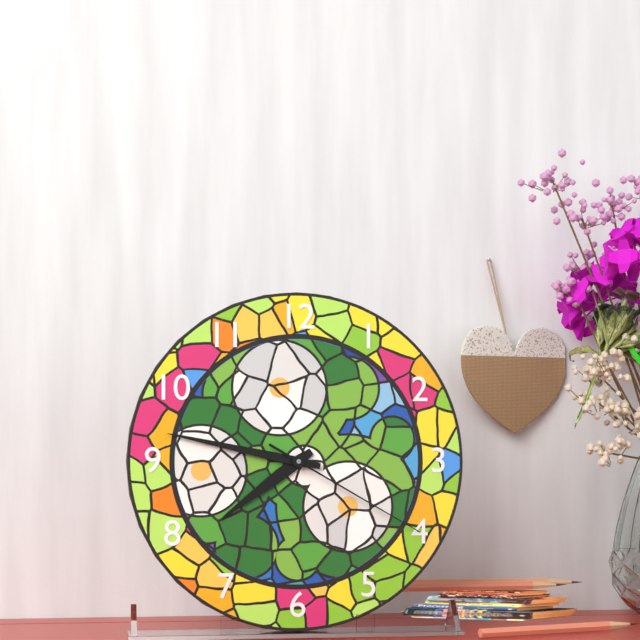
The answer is **7:47:20**
